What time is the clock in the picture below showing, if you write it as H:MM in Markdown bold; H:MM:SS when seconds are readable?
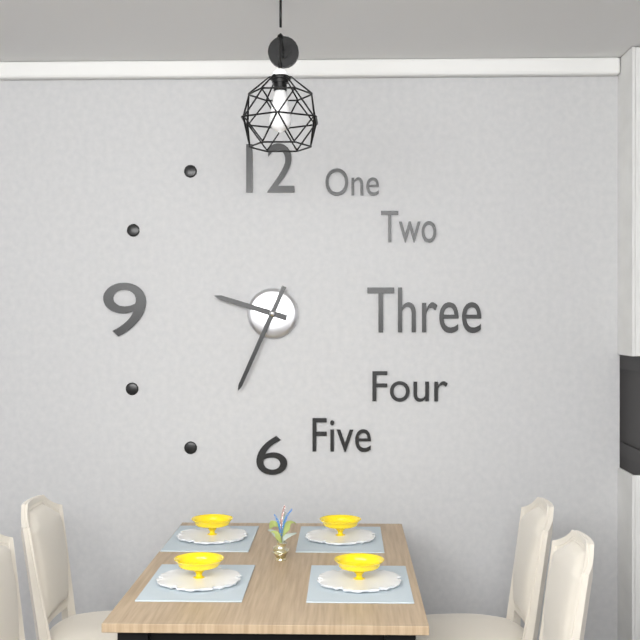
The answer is **9:34**
